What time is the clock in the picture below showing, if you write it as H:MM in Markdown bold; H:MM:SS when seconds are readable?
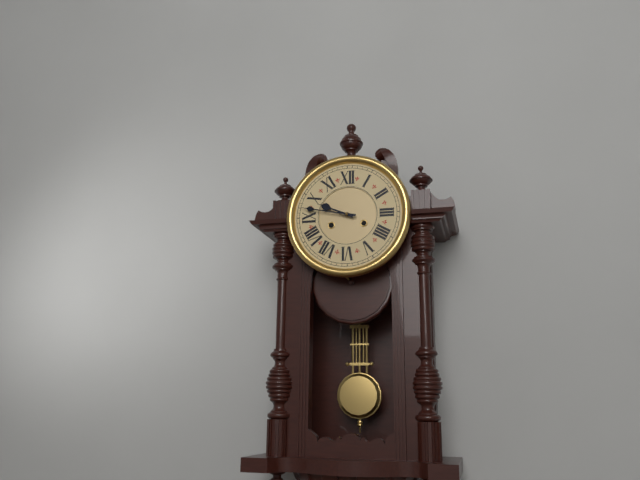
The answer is **9:47**
